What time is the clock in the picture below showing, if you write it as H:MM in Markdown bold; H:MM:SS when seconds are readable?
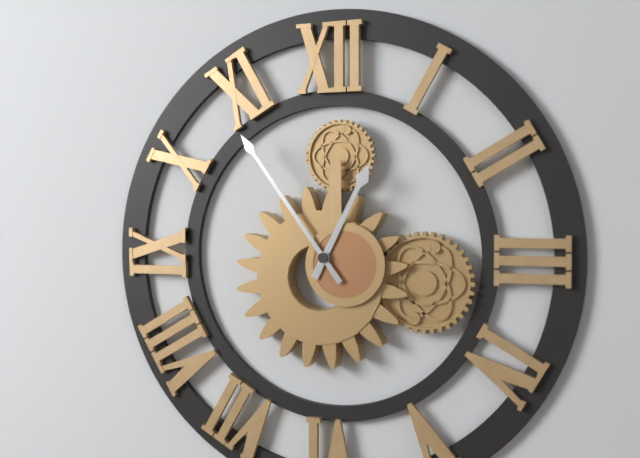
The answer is **12:54**
